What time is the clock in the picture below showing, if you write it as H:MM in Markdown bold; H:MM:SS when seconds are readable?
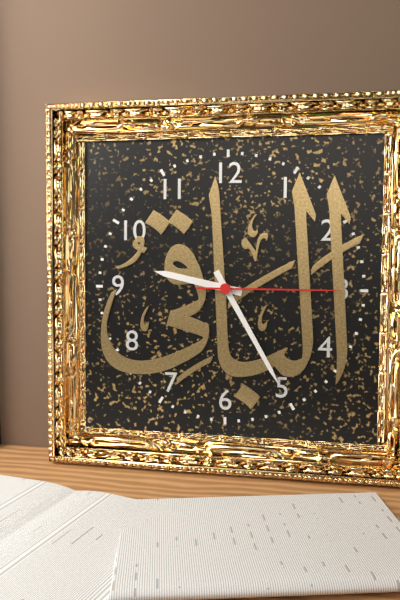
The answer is **9:25:15**
